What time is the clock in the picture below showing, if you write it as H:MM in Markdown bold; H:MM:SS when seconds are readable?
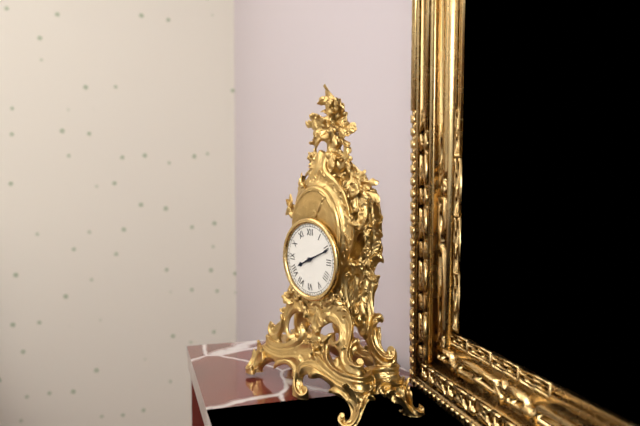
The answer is **8:11**
